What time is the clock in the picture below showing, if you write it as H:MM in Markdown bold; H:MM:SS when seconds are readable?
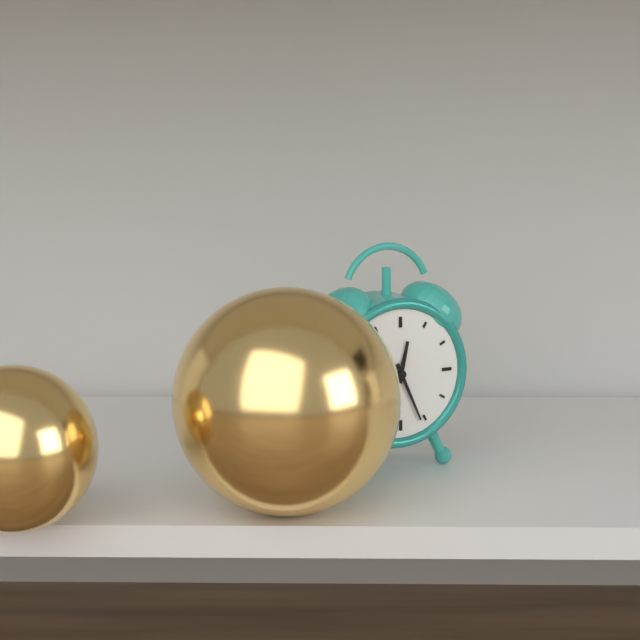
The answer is **12:26**
